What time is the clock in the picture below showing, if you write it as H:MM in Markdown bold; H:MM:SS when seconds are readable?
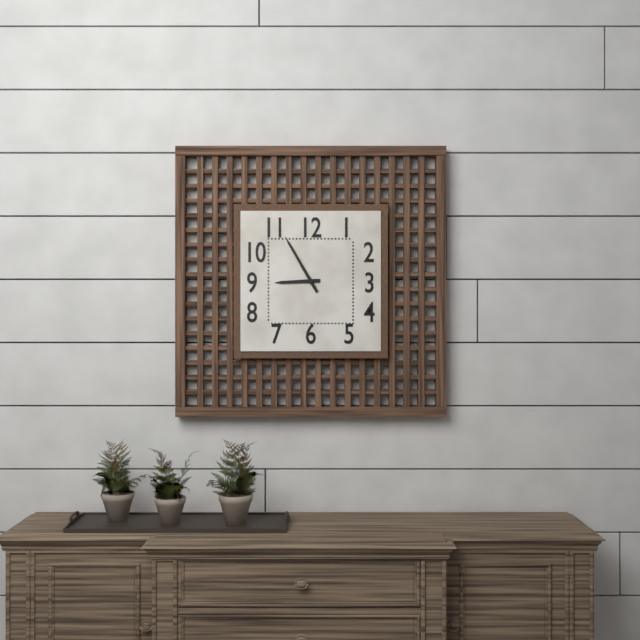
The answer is **8:55**
